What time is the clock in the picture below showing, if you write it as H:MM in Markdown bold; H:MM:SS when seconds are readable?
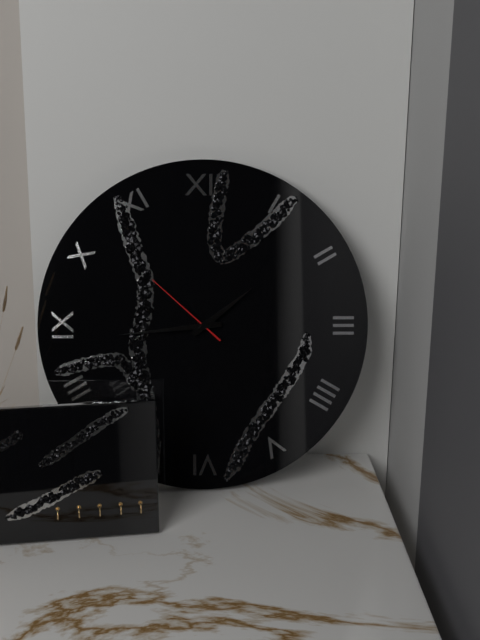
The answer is **1:44:52**
